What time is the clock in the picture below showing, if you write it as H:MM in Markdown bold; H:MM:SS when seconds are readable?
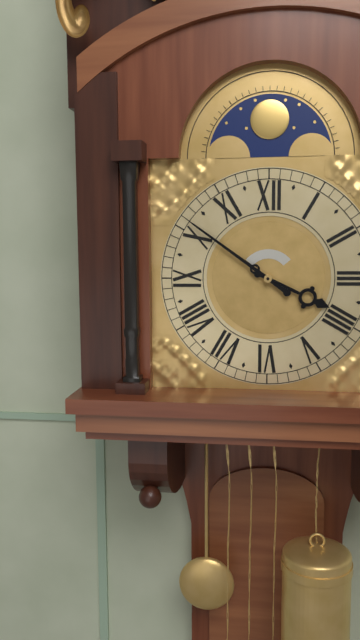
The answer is **3:51**
